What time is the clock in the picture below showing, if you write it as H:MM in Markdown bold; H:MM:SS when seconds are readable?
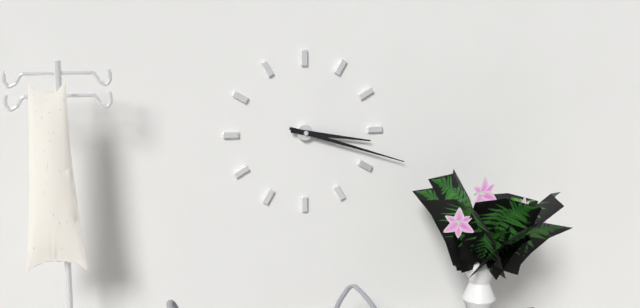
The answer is **3:18**
